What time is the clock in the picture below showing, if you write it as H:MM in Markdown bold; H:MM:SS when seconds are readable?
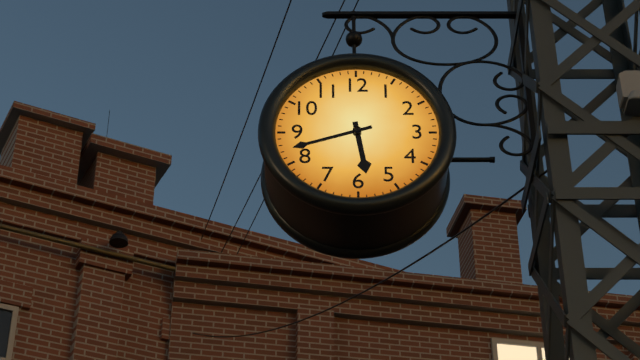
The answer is **5:42**
